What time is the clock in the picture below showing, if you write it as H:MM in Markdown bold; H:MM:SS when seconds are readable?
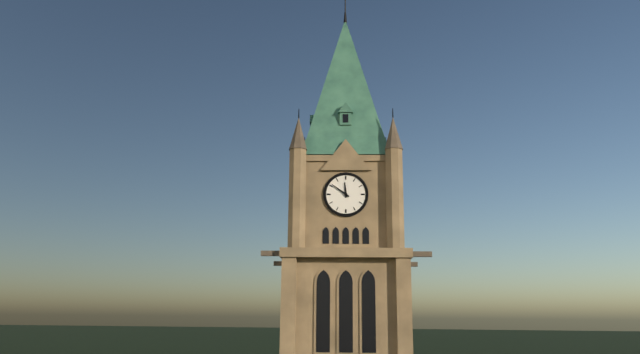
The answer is **11:51**
